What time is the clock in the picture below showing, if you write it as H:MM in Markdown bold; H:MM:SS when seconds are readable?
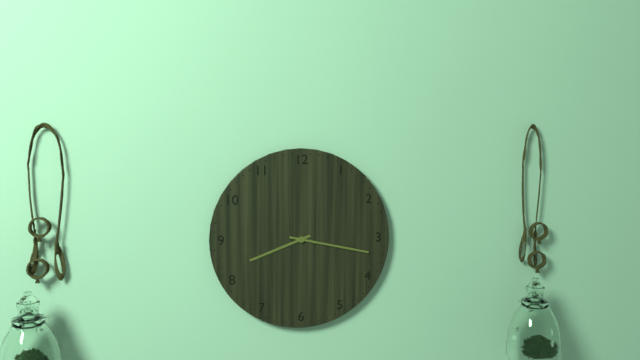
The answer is **8:17**
